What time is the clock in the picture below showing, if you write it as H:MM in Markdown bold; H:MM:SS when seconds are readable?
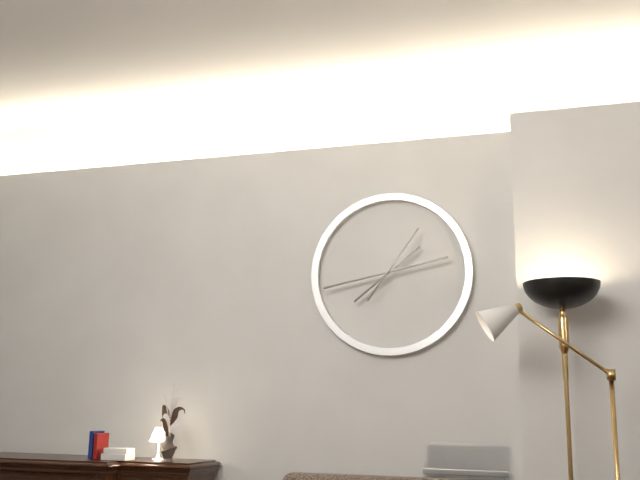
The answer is **7:43:06**
